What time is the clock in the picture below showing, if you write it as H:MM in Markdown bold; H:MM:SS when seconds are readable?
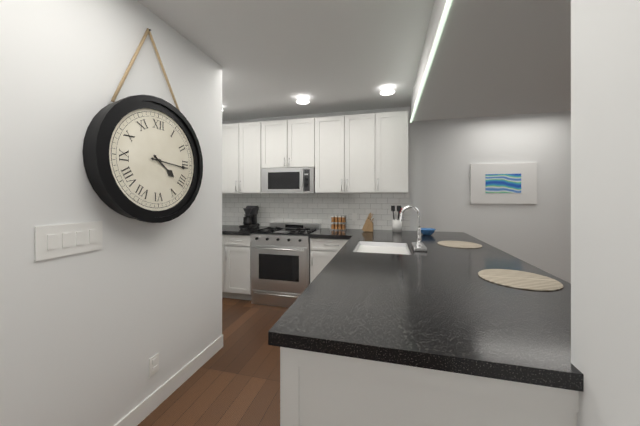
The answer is **4:16**
